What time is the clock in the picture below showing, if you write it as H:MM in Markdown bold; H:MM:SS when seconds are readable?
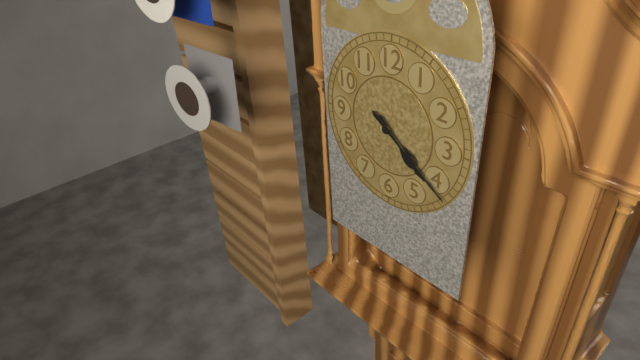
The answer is **4:21**
